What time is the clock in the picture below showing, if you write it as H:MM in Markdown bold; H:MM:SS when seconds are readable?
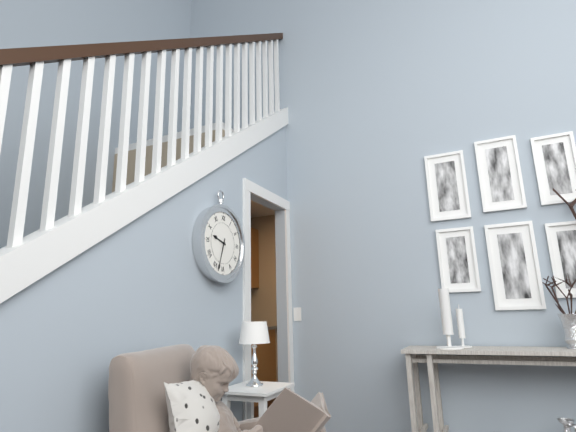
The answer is **9:33**
